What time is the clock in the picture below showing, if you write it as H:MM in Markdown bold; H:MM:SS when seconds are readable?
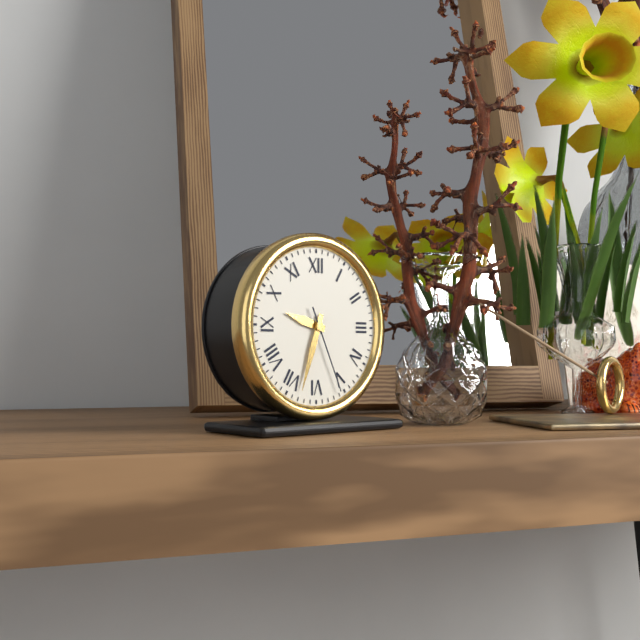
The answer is **9:33:26**
